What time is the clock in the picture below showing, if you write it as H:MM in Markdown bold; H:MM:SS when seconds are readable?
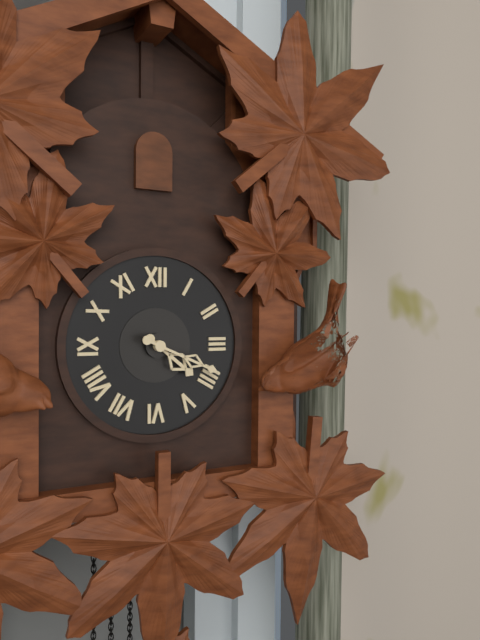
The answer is **4:19**
